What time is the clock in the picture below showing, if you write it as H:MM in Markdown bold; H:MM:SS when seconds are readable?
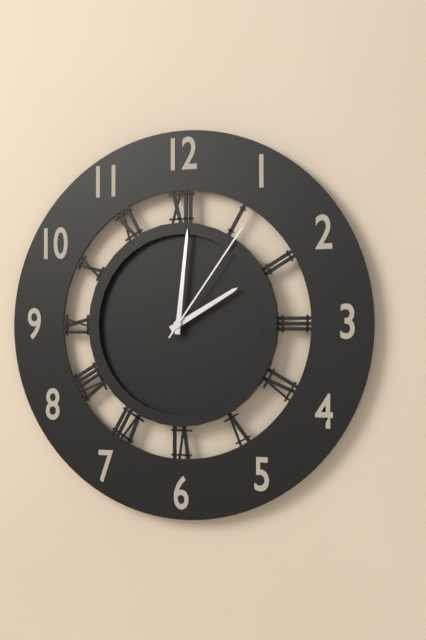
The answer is **2:01:06**
